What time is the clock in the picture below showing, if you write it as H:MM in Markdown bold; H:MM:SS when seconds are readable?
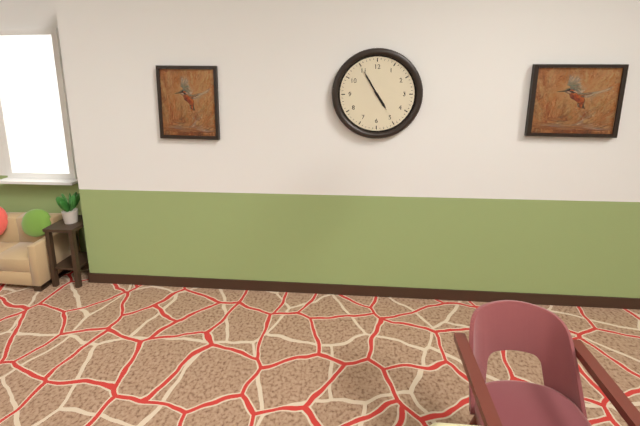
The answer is **4:55**
